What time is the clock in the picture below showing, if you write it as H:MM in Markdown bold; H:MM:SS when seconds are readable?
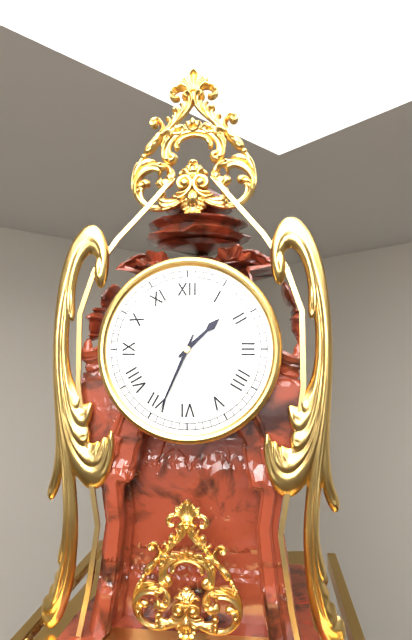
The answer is **1:34**
